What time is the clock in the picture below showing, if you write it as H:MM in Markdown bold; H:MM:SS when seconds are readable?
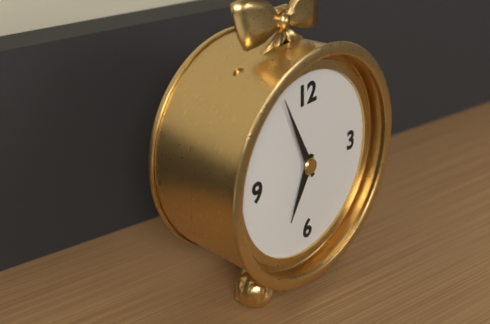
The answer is **6:56**
